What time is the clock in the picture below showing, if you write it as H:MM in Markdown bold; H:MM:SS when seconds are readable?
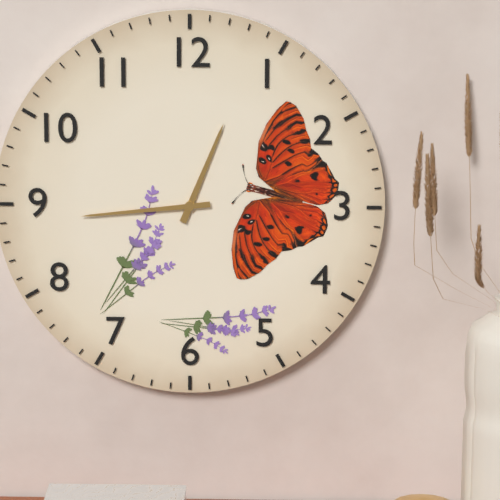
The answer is **12:44**
